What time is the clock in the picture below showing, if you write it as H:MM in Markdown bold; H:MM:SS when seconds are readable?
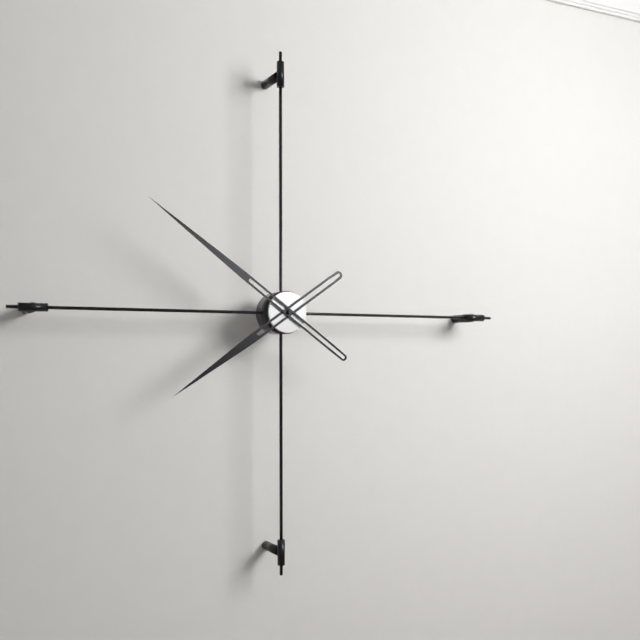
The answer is **7:51**
